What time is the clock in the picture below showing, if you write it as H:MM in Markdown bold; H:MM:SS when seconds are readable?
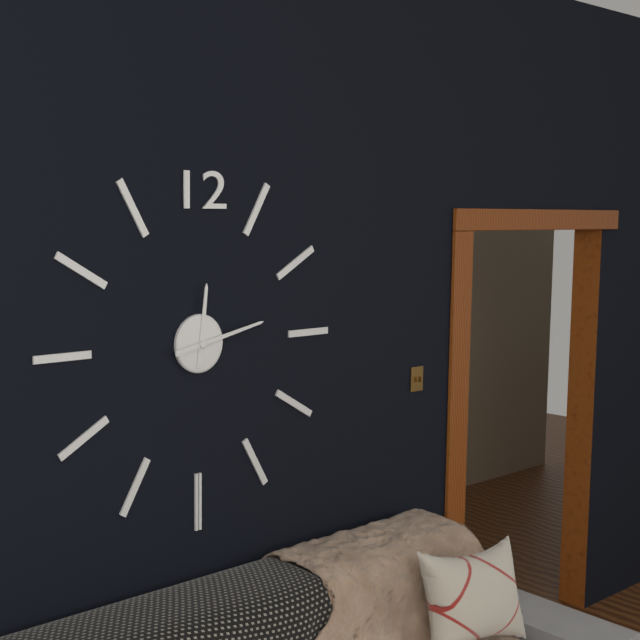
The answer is **12:13**
